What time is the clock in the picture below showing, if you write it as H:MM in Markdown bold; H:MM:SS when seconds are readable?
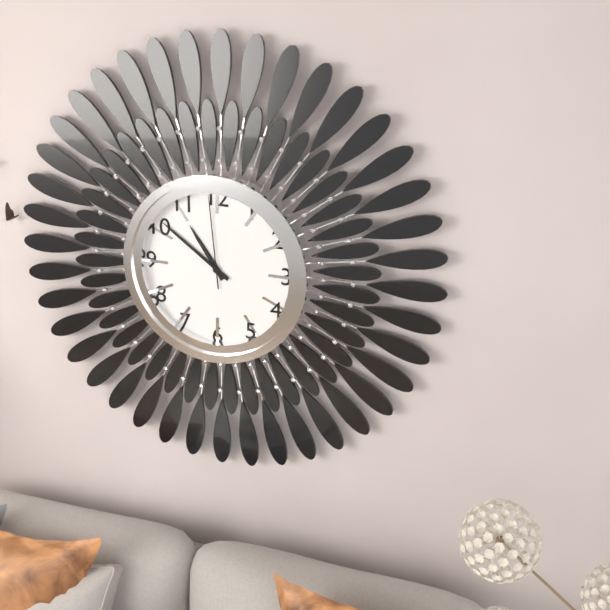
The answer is **10:51:59**
